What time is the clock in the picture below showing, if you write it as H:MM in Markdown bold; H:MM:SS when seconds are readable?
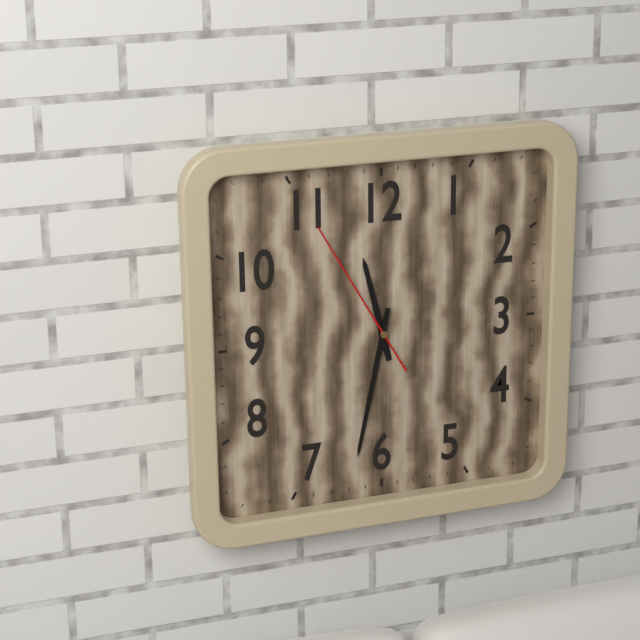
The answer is **11:32:55**
